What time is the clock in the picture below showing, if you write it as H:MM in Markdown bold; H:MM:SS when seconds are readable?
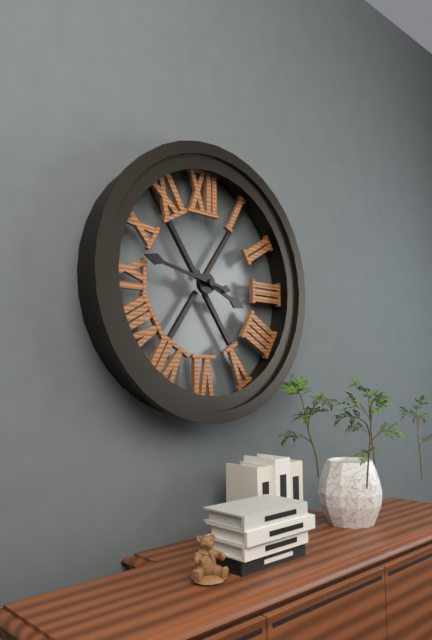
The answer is **3:47**
